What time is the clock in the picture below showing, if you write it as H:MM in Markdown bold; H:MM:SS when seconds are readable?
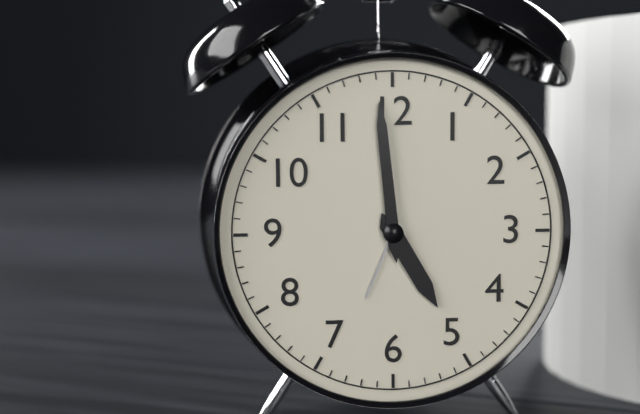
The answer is **4:59**
